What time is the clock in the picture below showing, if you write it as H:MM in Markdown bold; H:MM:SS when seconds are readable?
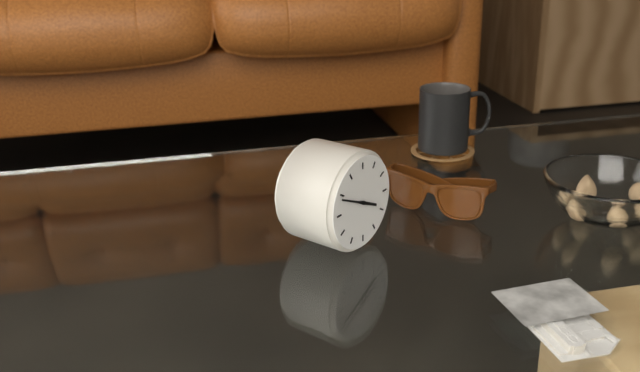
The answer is **3:49**
